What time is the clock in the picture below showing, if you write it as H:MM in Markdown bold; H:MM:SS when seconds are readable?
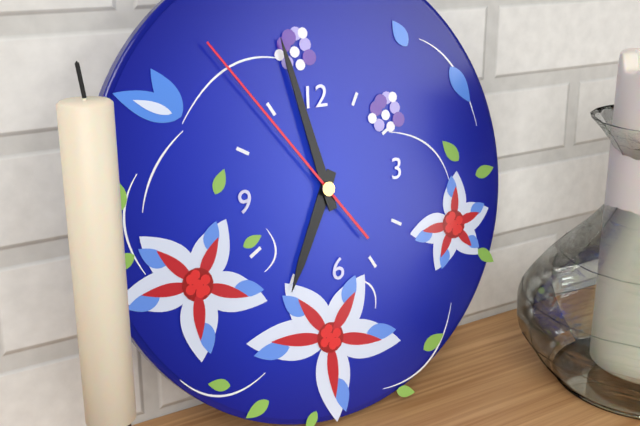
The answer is **6:58:54**
